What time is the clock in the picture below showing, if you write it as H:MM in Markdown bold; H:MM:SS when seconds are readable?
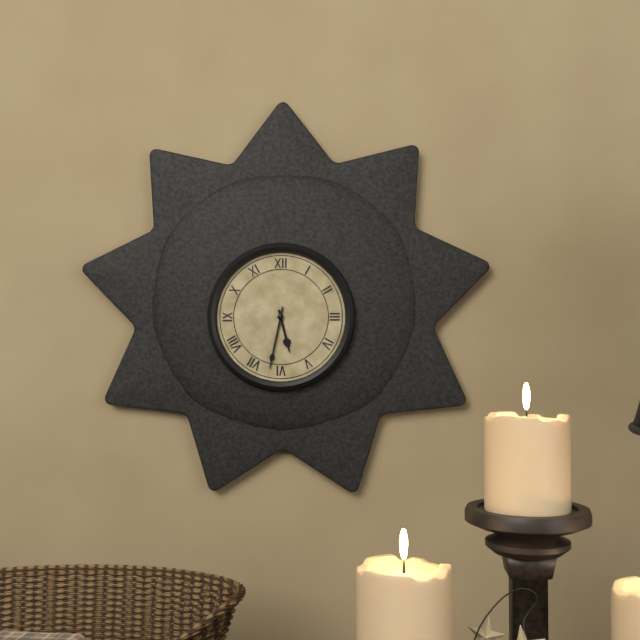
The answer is **5:32**
